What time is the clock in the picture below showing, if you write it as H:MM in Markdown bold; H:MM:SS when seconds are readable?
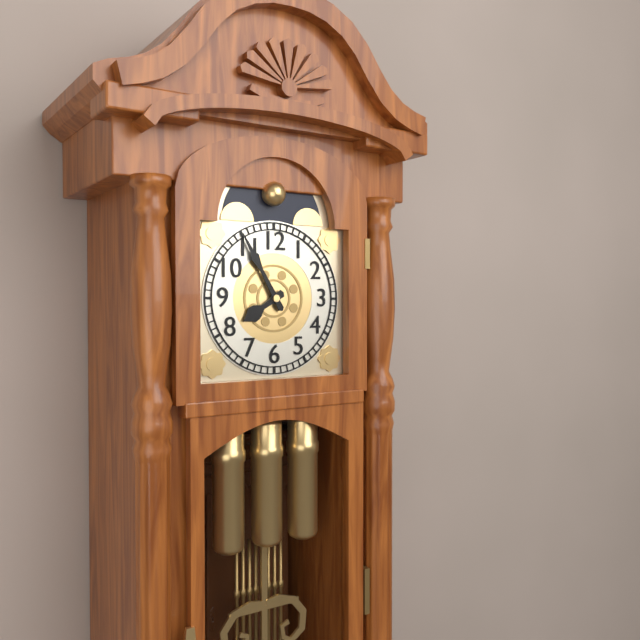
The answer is **7:55**
